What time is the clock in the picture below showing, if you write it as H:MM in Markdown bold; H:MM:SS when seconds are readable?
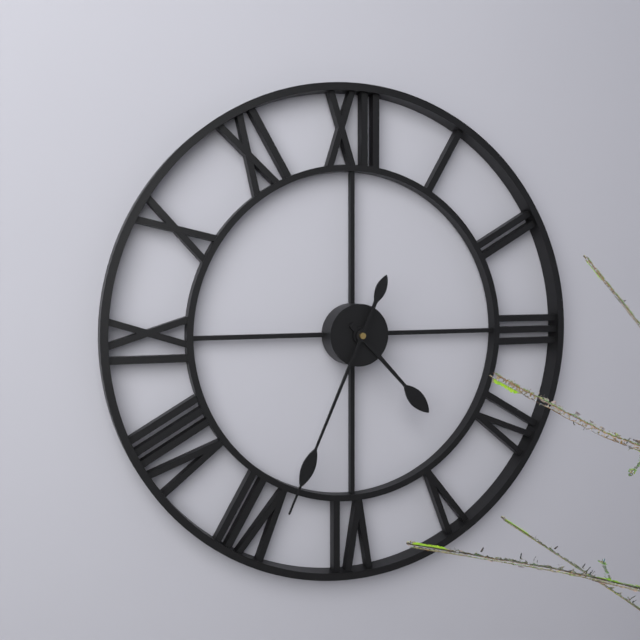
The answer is **4:34**
